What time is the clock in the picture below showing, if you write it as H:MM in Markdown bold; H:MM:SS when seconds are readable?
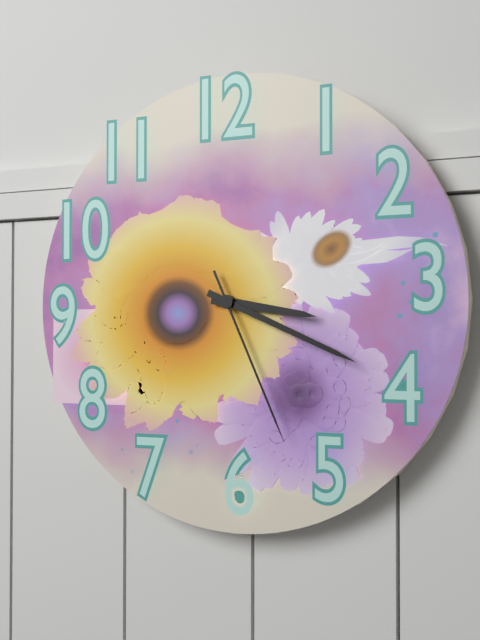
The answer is **3:19:26**
